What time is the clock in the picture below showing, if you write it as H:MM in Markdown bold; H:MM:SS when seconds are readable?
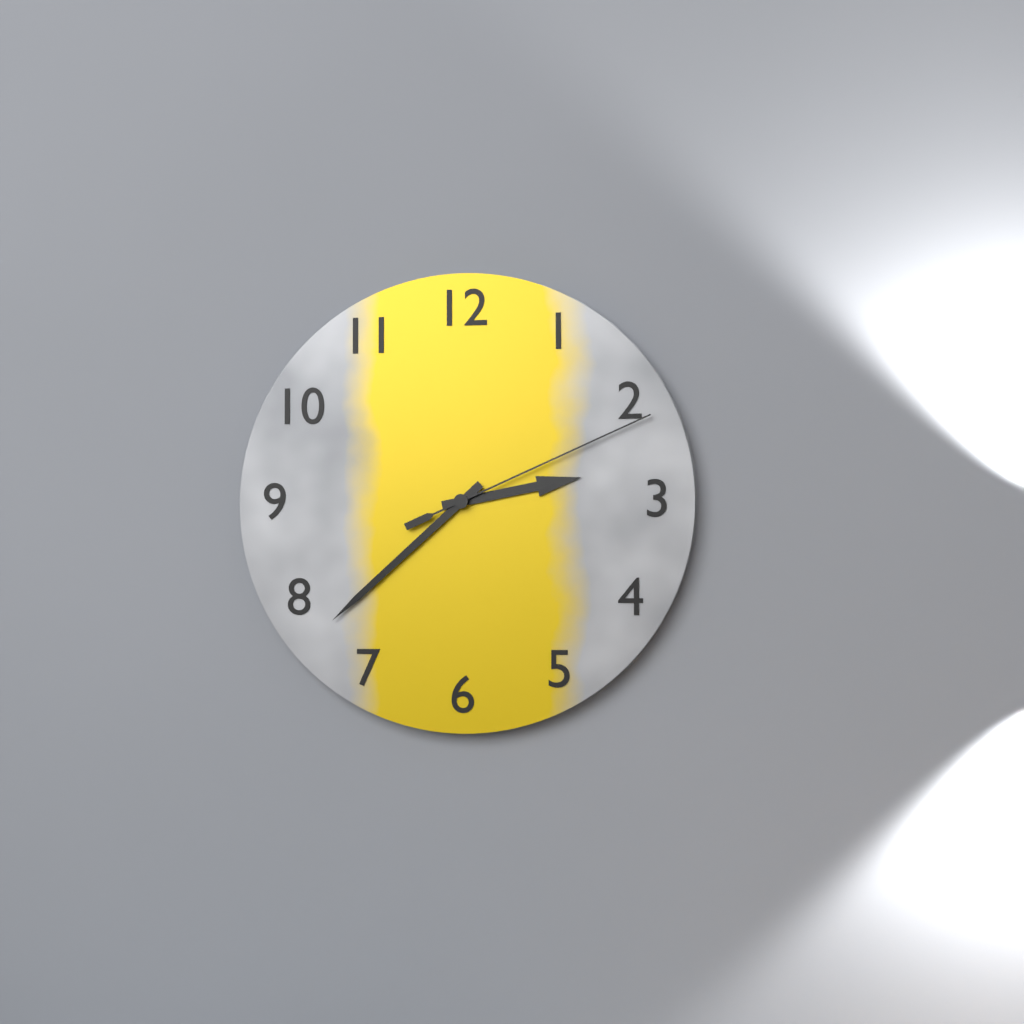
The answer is **2:38:11**
